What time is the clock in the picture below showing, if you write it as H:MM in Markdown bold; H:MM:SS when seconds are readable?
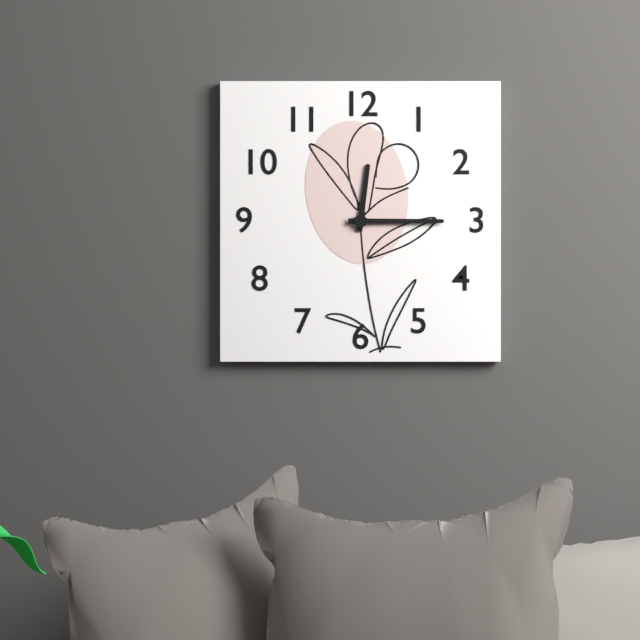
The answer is **12:15**
